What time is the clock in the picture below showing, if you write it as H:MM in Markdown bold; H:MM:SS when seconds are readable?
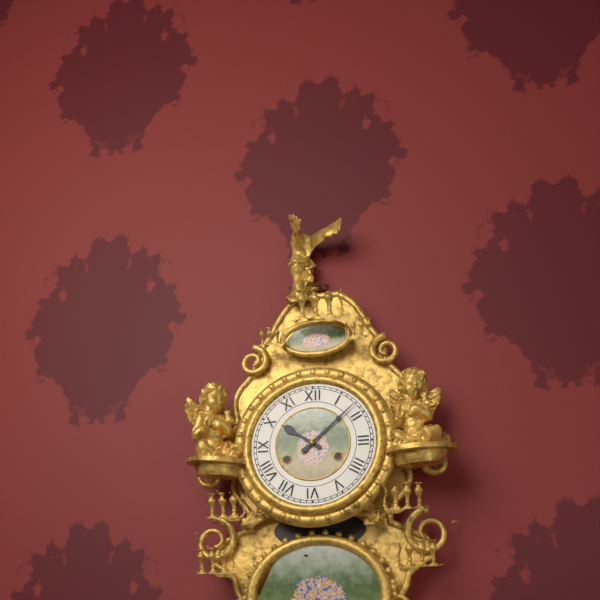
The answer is **10:08**
